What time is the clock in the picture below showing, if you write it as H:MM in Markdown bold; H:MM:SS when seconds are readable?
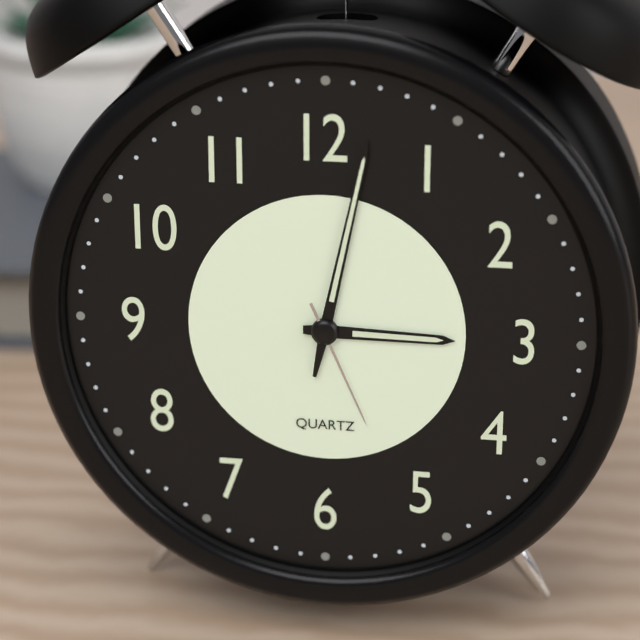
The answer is **3:02:26**
